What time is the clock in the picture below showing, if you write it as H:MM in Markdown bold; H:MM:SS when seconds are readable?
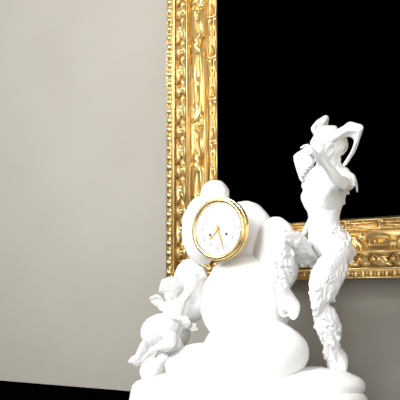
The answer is **7:27**
